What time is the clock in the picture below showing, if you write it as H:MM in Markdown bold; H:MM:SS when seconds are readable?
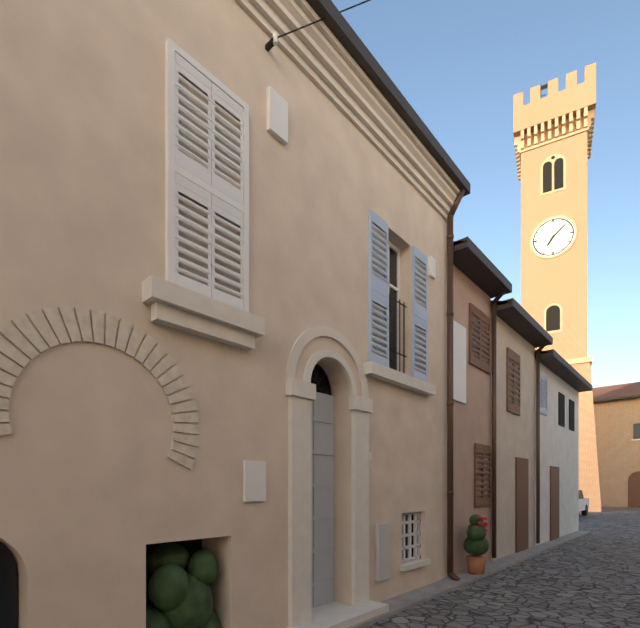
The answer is **7:08**
